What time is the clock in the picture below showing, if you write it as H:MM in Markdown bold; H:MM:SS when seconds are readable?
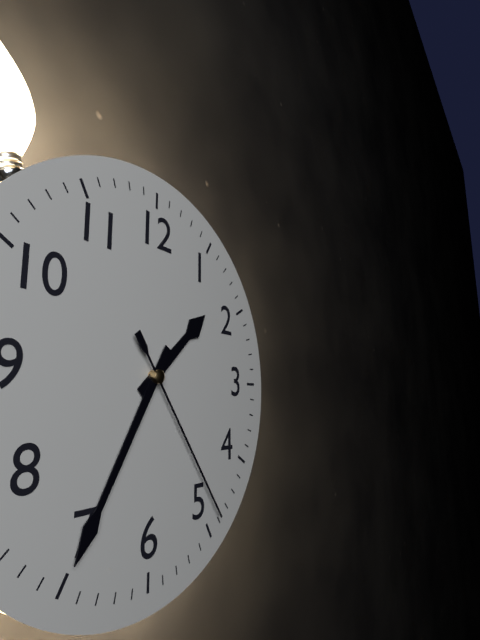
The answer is **1:35:24**
